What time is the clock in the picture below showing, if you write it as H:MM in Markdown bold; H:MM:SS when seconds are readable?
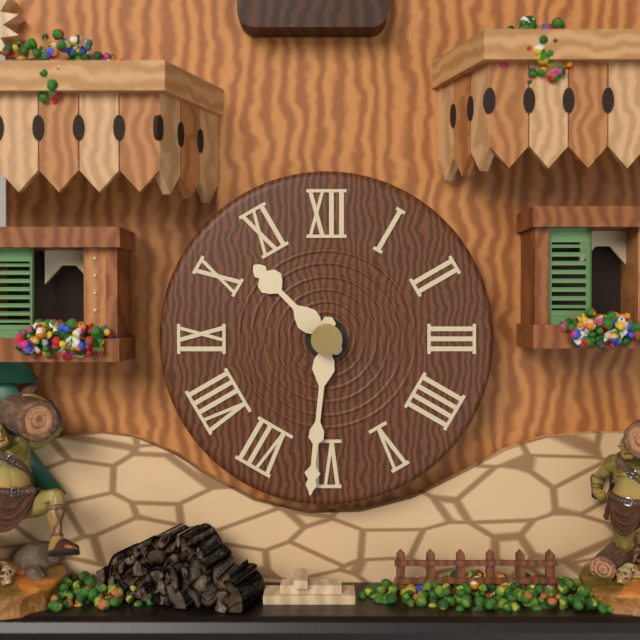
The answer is **10:31**
